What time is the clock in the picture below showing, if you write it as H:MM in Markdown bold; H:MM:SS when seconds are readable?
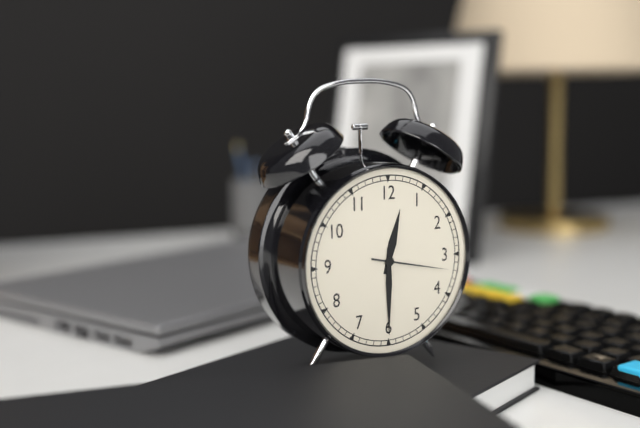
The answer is **12:30:17**
